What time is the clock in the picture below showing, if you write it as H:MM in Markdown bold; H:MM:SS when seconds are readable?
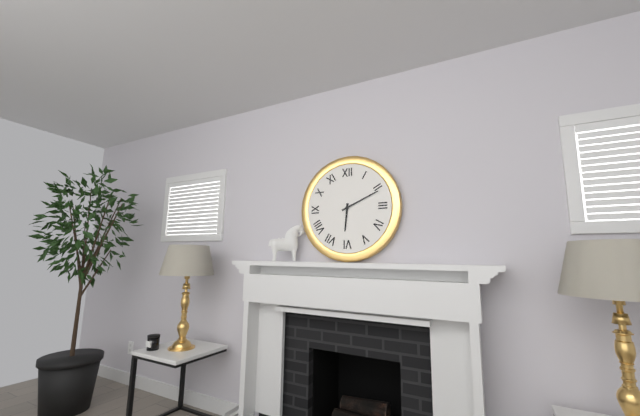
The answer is **6:11**
